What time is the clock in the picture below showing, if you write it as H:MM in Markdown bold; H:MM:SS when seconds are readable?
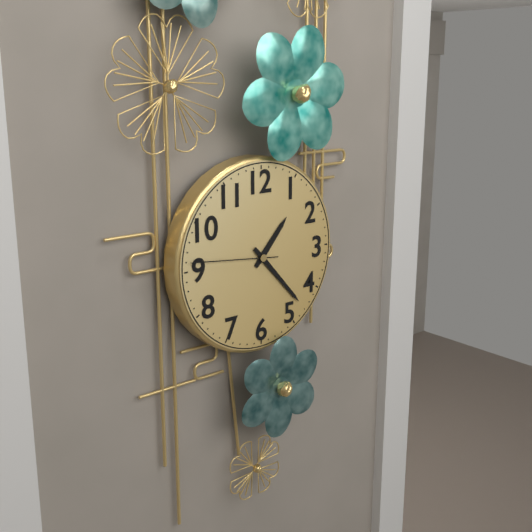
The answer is **1:23:46**
